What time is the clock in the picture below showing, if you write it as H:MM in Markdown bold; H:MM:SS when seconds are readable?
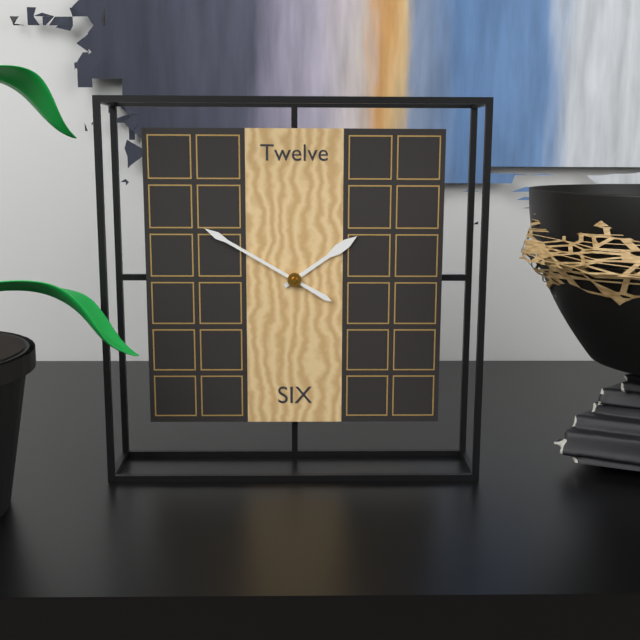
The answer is **1:50**
